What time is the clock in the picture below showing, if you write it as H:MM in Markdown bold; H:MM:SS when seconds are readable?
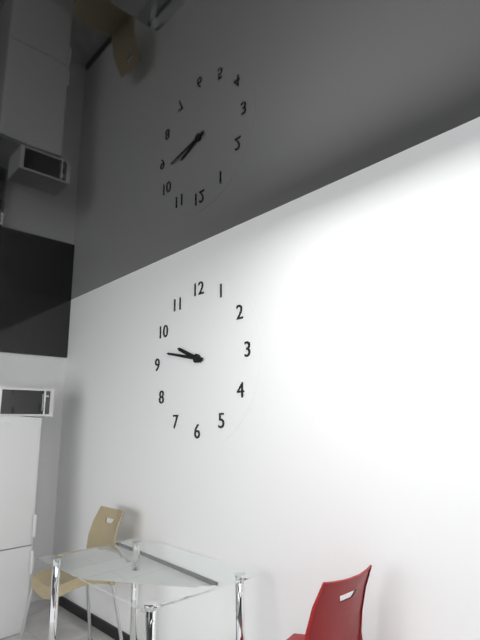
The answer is **9:47**
